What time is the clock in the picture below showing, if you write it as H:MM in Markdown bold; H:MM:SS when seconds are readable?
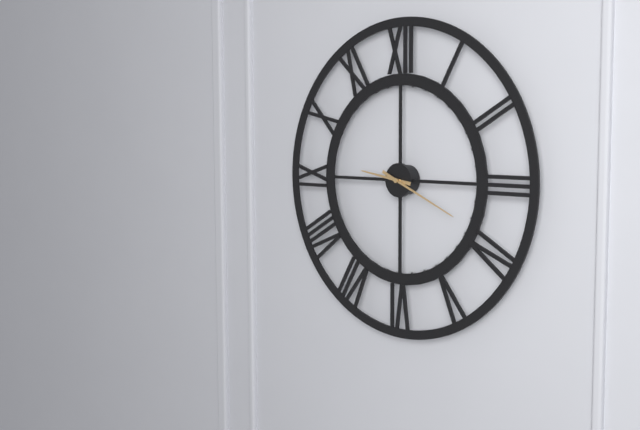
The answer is **9:19**
